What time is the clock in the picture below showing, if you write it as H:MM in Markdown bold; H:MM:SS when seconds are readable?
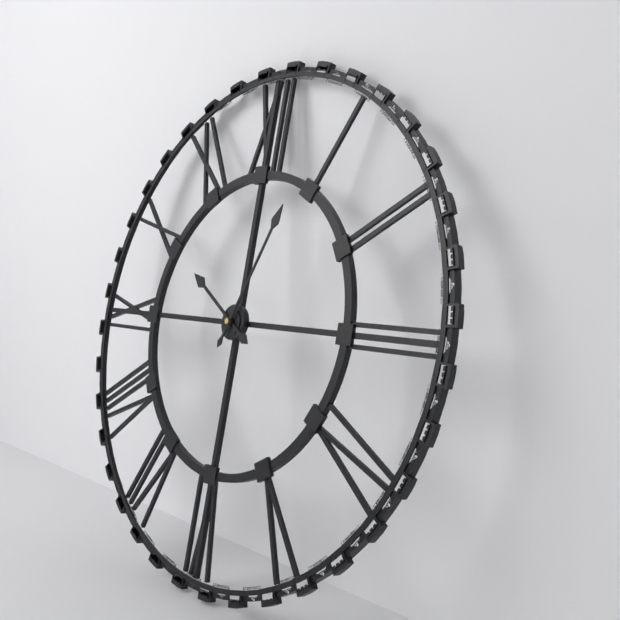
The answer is **10:04**
